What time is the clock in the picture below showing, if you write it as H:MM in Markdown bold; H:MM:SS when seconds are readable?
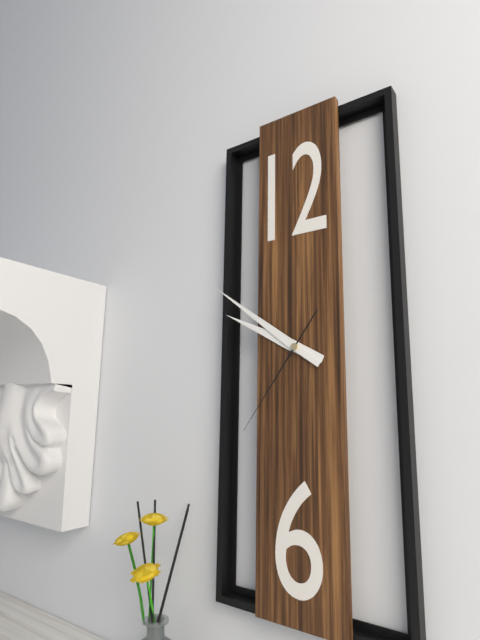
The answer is **9:51:36**
